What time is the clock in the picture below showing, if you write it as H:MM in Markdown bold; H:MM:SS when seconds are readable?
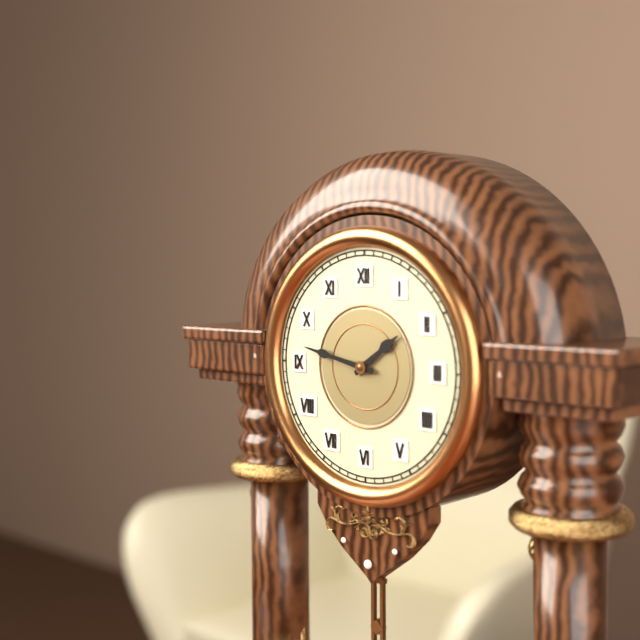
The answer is **1:47**
